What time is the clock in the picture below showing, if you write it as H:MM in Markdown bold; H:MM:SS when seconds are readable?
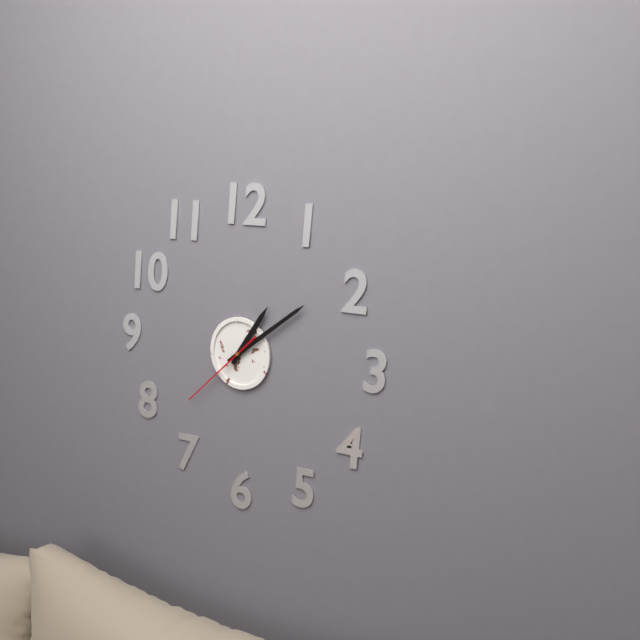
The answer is **1:09:38**
